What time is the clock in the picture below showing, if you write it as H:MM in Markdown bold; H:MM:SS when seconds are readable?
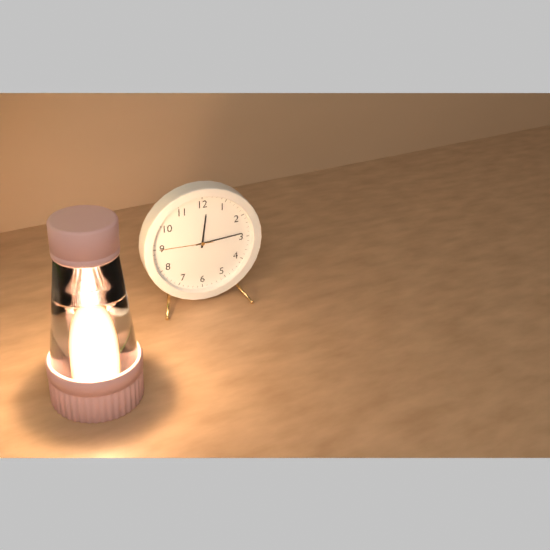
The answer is **12:14:45**
